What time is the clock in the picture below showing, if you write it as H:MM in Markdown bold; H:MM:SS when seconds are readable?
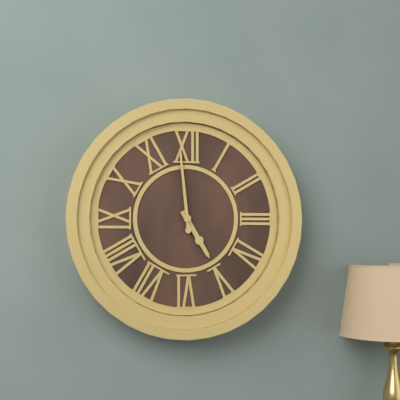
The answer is **4:59**
